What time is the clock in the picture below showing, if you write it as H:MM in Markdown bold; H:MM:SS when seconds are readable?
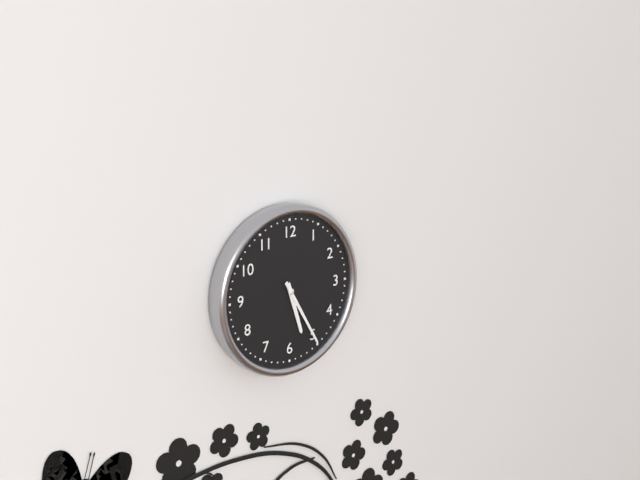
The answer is **5:25**
